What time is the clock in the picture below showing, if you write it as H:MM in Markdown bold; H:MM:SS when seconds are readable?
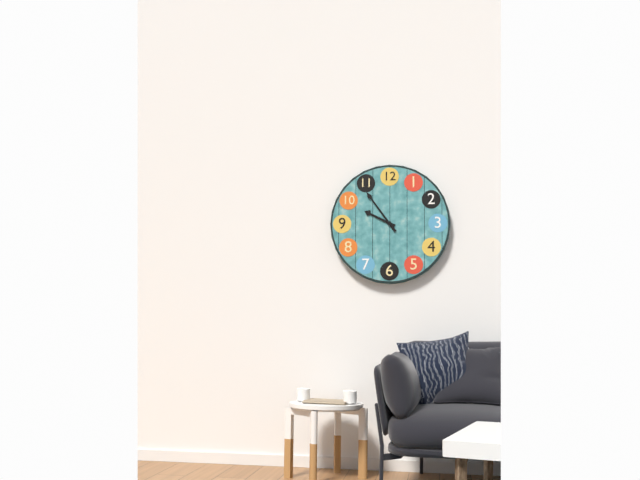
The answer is **9:54**
